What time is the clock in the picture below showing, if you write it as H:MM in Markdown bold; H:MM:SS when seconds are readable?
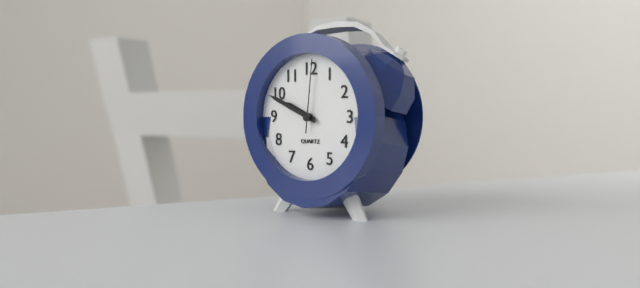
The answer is **9:49:01**
